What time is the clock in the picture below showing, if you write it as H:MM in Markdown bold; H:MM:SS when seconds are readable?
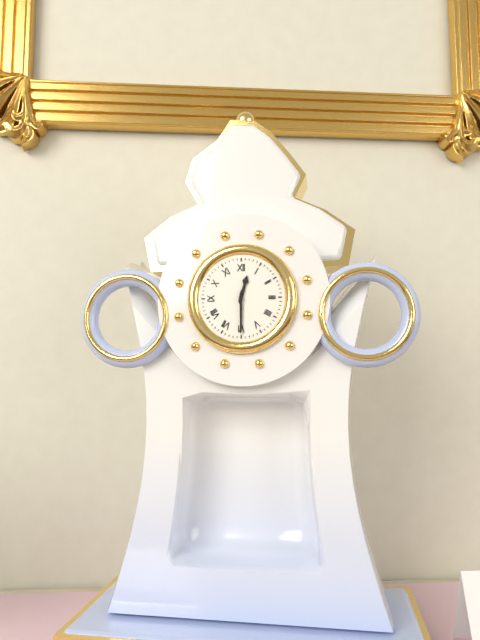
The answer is **12:30**
